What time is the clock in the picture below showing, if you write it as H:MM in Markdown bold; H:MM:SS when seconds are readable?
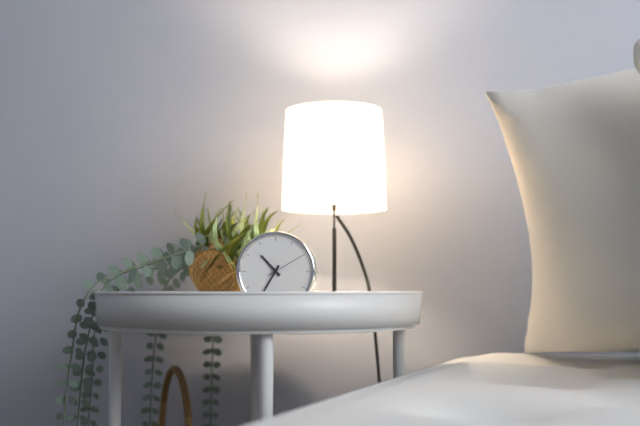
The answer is **10:35**
